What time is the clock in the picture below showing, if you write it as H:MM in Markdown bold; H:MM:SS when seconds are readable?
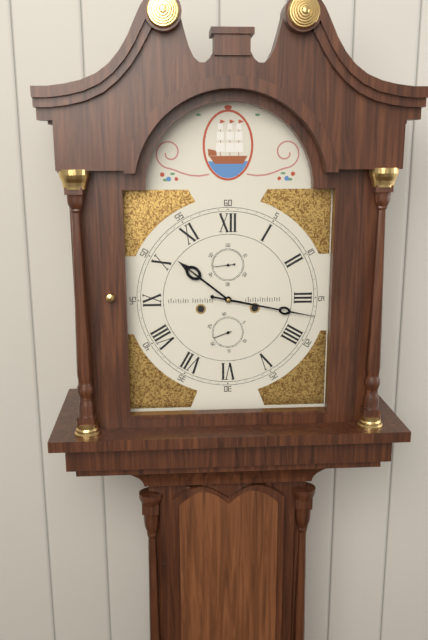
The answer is **10:17**
